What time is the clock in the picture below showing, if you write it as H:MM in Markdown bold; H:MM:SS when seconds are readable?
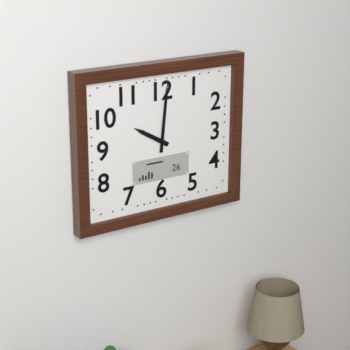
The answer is **10:01**
